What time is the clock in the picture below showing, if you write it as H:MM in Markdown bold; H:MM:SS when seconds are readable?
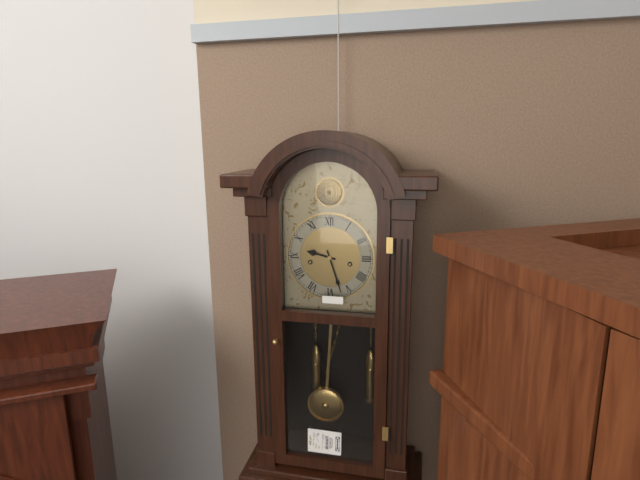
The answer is **9:27**
